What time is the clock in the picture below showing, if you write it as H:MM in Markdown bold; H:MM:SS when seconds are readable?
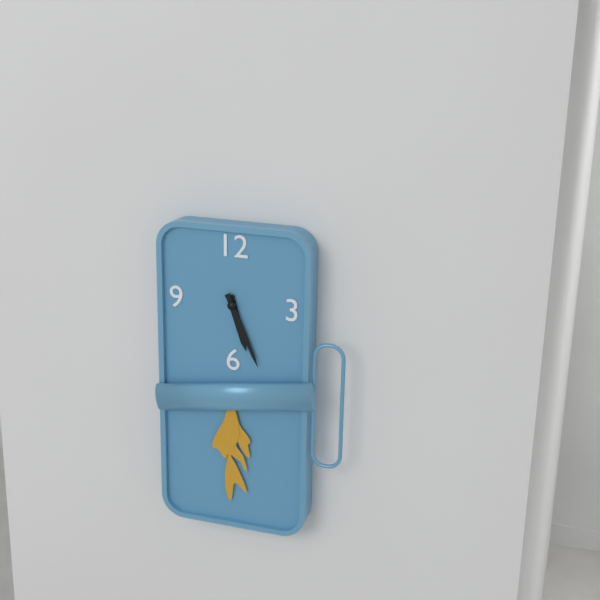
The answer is **5:26**
